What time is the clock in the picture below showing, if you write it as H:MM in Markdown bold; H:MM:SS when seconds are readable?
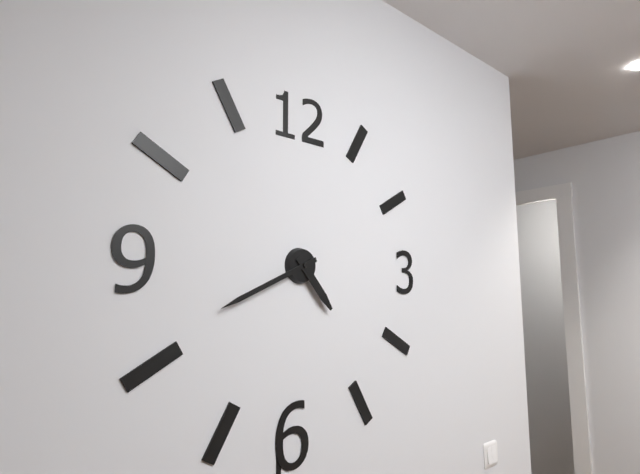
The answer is **4:41**
